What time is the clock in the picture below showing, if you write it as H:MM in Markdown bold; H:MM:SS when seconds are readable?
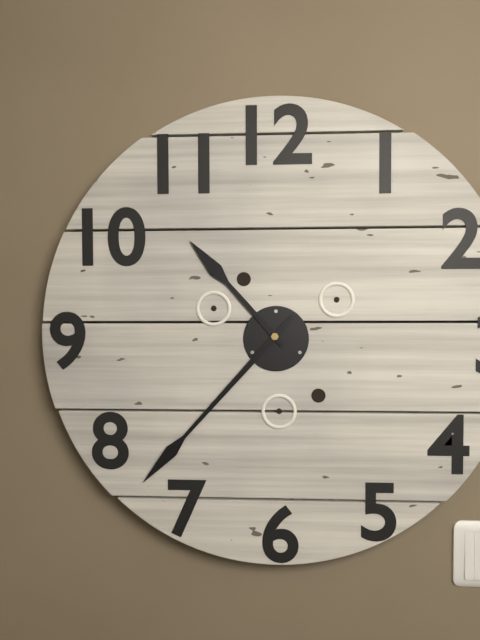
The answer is **10:37**
